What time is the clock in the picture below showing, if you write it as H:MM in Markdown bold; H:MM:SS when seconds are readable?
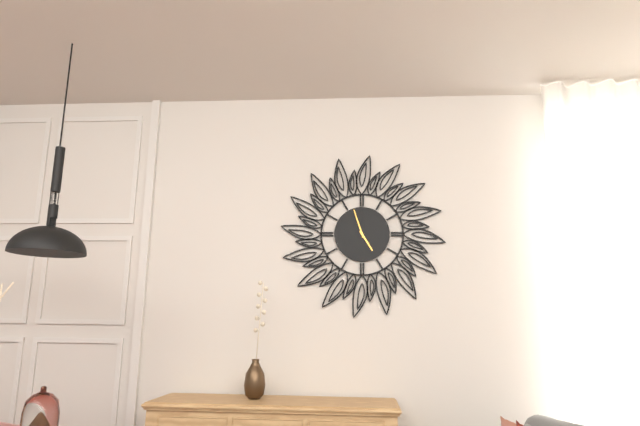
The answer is **4:57**
